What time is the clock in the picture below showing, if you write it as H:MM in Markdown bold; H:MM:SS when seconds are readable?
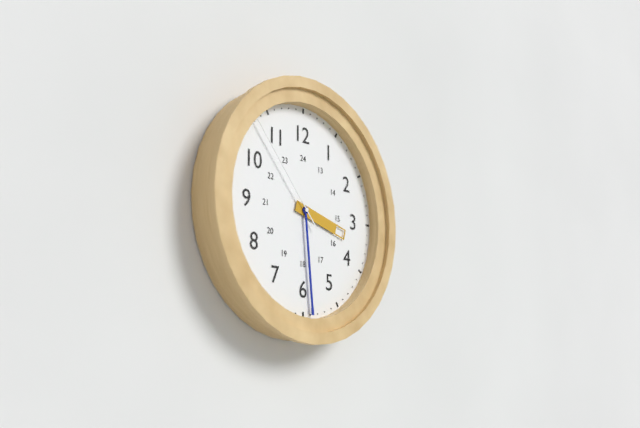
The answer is **3:29:53**
